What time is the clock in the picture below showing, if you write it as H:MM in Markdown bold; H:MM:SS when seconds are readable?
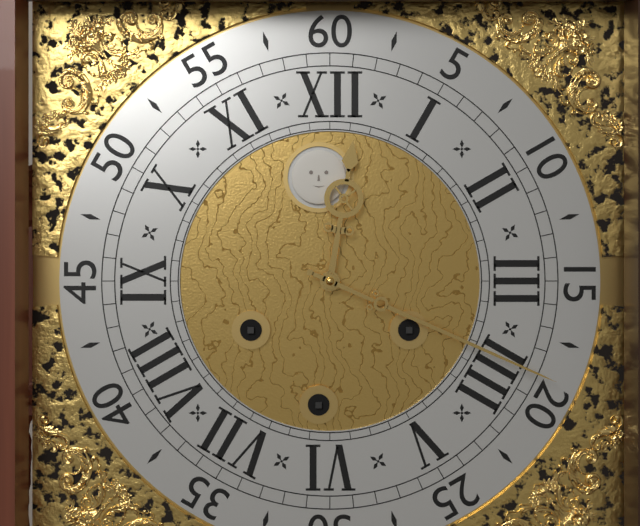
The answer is **12:19**
